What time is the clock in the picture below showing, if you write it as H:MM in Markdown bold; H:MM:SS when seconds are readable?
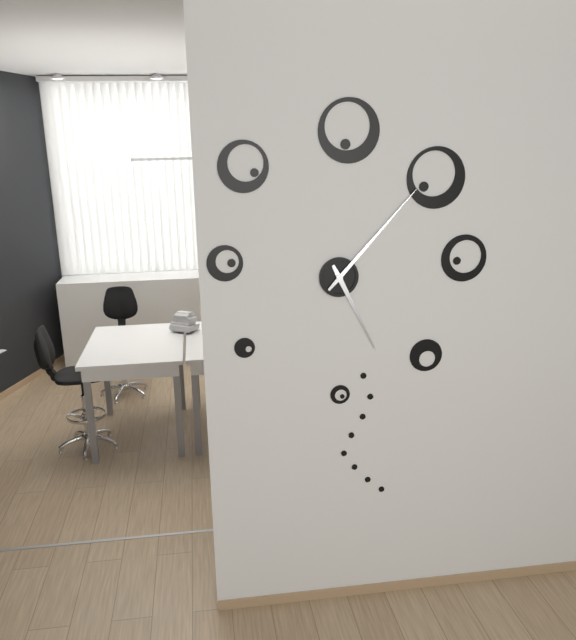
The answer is **5:07**
